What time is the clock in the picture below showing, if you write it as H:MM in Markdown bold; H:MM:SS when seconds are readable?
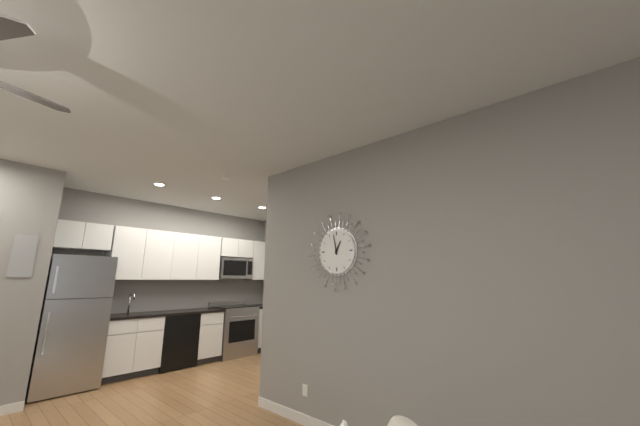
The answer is **12:58**
